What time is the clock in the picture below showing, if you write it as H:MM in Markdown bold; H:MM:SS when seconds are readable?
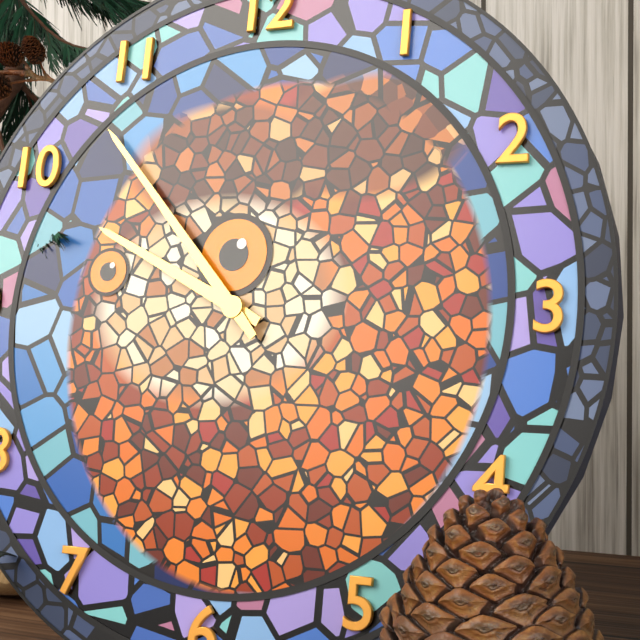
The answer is **9:53**
